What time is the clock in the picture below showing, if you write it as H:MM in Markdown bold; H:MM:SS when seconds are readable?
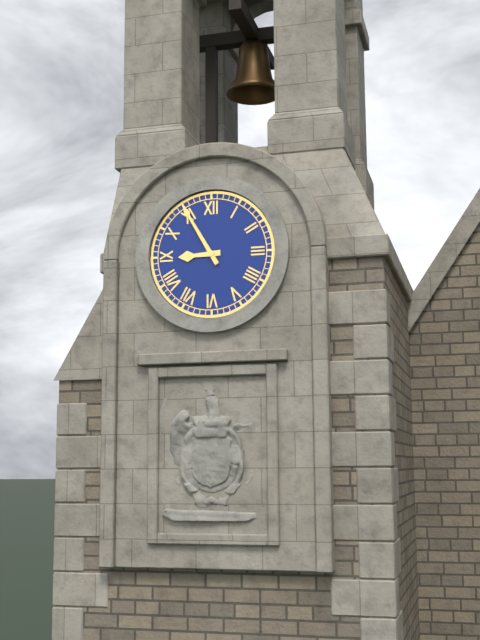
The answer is **8:55**
